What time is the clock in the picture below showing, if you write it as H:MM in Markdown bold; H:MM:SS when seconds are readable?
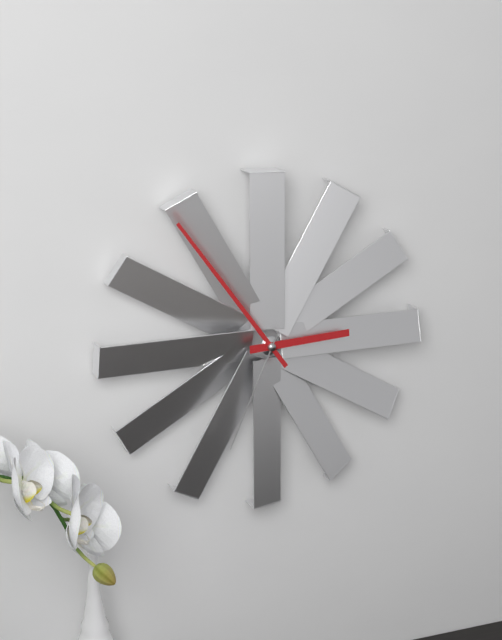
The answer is **2:54:34**
